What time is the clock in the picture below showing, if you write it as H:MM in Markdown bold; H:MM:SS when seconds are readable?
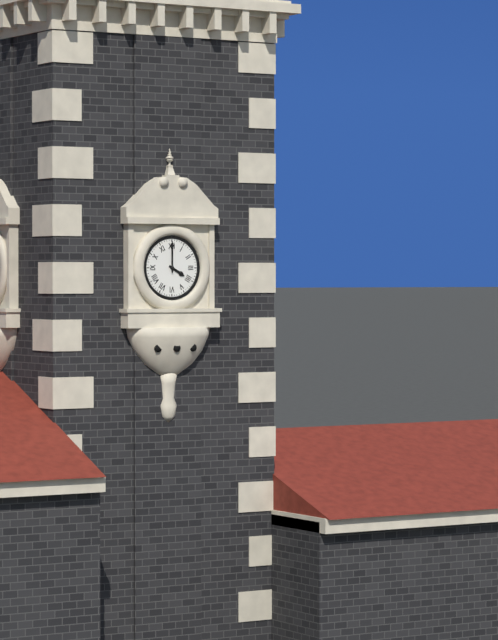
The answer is **4:00**
